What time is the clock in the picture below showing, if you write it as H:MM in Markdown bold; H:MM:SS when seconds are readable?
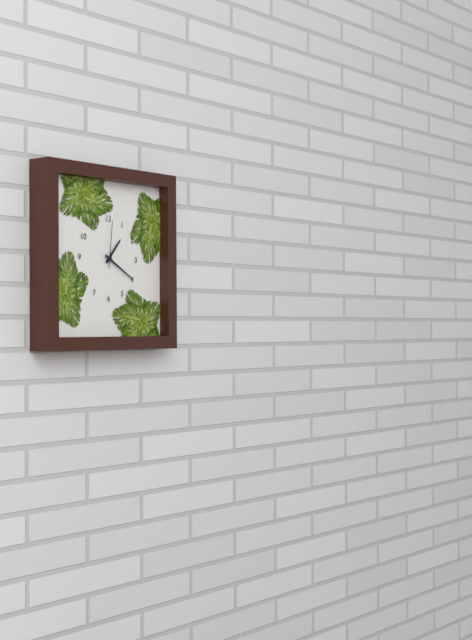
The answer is **1:20**
